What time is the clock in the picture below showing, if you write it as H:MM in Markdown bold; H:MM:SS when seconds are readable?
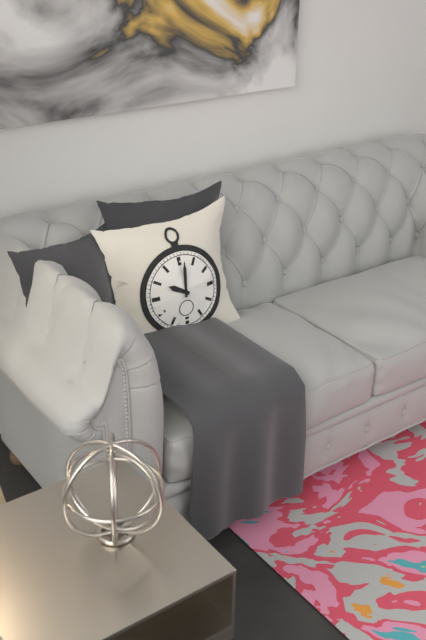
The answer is **10:01**
